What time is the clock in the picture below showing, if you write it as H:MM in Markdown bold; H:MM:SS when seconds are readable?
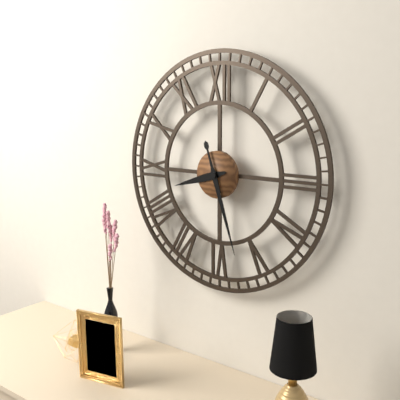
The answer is **8:27**
